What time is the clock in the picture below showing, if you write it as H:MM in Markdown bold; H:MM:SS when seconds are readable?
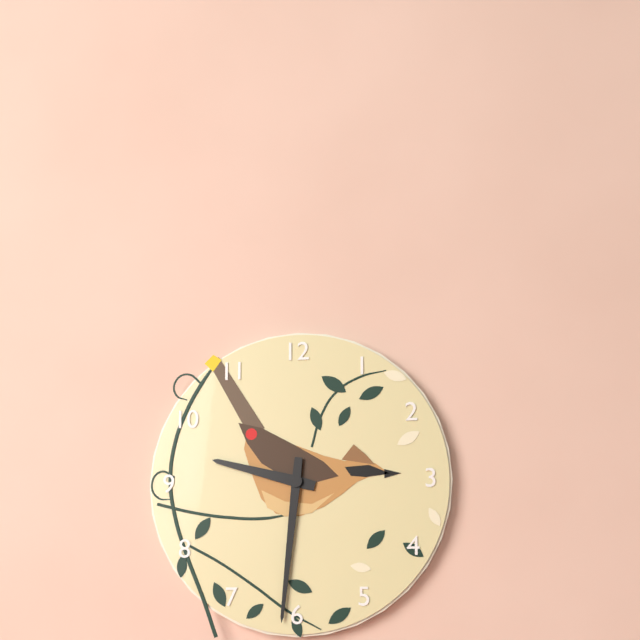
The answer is **9:31**
